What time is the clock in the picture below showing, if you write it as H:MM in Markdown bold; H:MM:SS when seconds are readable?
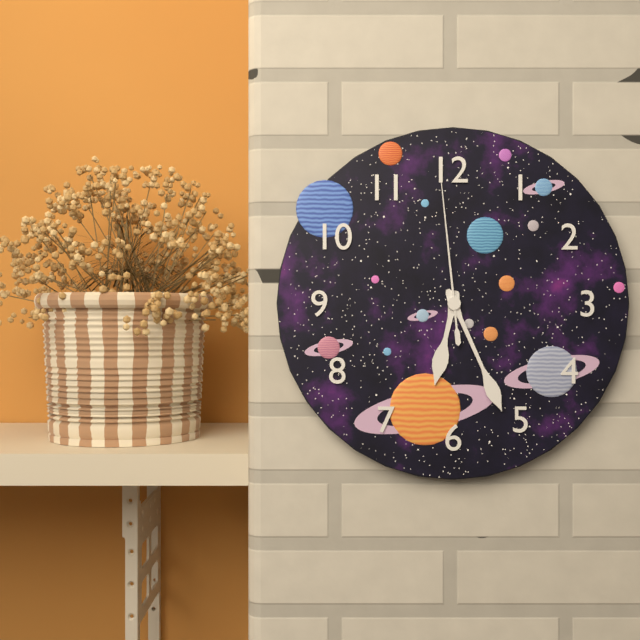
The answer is **6:26:59**
